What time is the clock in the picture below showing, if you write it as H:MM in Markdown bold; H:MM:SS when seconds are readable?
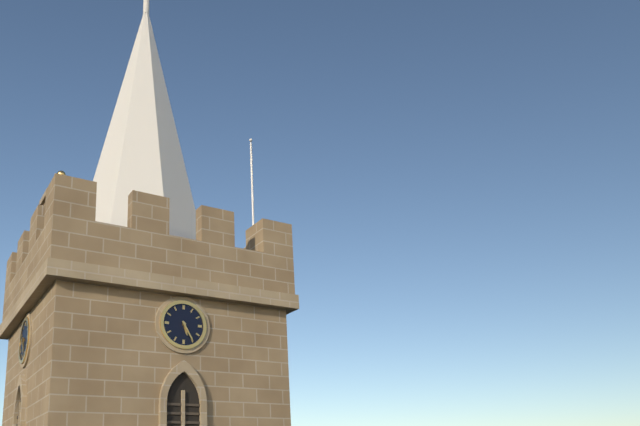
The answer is **5:25**
